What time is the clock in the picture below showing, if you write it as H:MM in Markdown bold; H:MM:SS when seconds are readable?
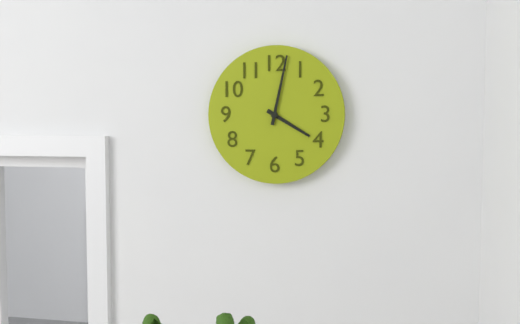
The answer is **4:02**
